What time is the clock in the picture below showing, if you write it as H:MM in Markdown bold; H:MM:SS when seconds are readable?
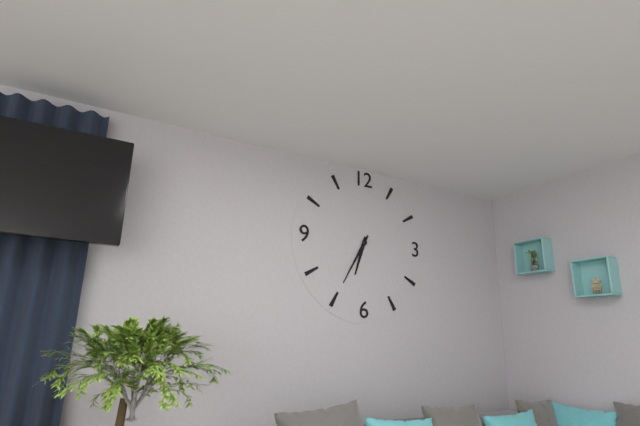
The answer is **6:35**
